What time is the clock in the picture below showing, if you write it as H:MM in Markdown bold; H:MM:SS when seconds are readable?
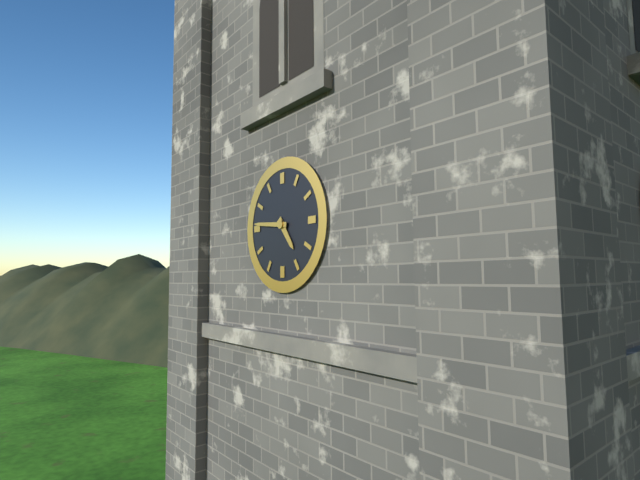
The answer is **4:46**
